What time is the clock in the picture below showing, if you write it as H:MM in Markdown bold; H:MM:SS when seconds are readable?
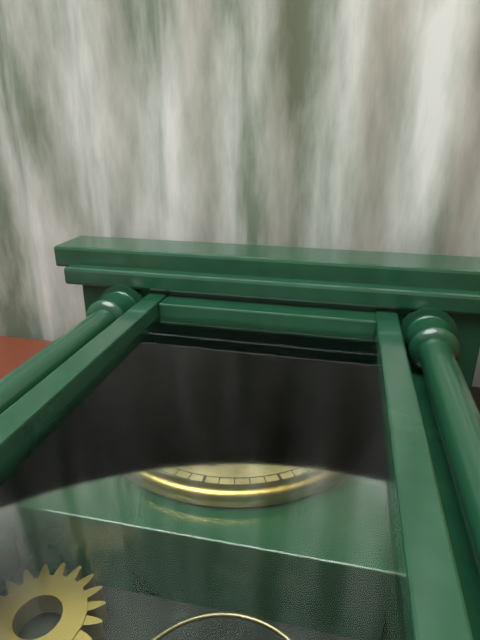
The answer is **3:51**
